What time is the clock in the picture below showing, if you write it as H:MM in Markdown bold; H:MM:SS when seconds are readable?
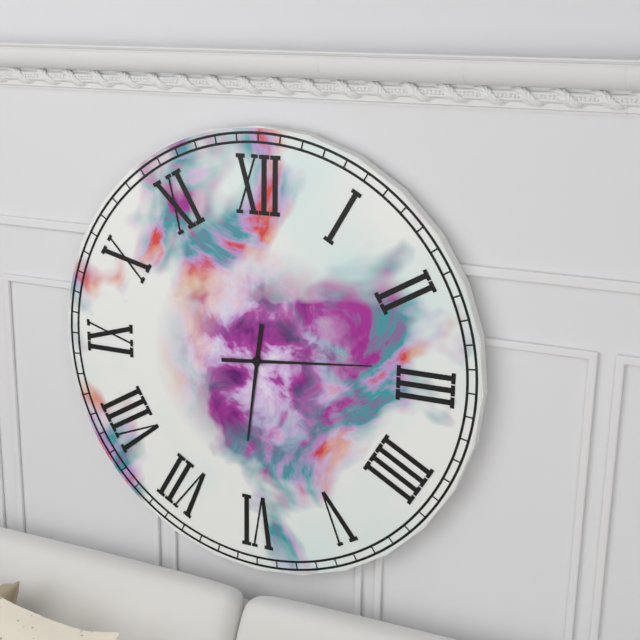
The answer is **6:14**
